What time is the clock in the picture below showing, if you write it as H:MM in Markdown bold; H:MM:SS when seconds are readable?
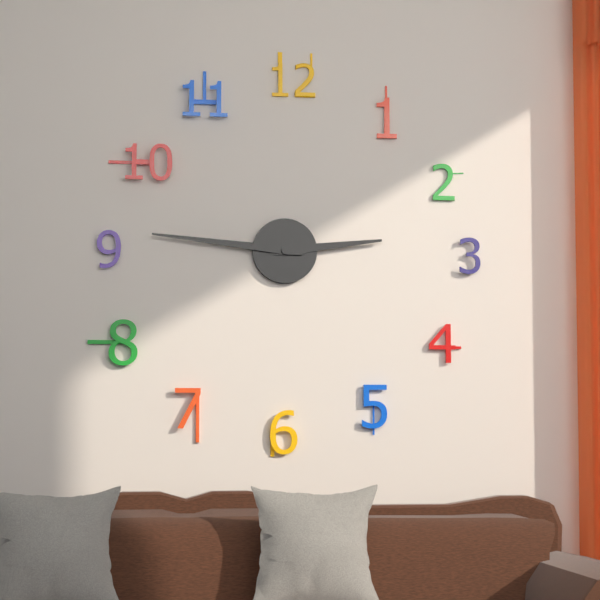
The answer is **2:46**
